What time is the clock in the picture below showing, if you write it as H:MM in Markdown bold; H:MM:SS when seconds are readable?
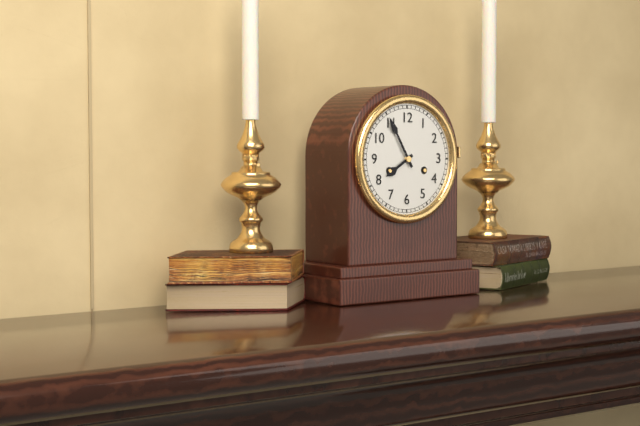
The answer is **7:55**
